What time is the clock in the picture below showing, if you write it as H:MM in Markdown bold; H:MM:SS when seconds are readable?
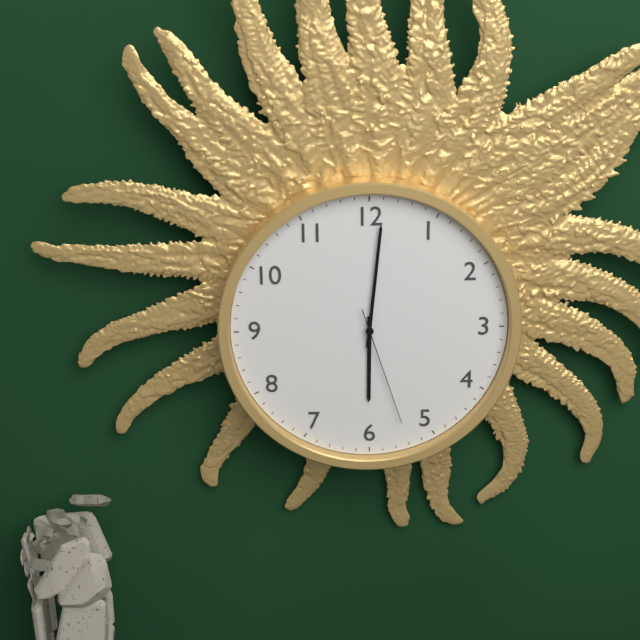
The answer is **6:01:27**
